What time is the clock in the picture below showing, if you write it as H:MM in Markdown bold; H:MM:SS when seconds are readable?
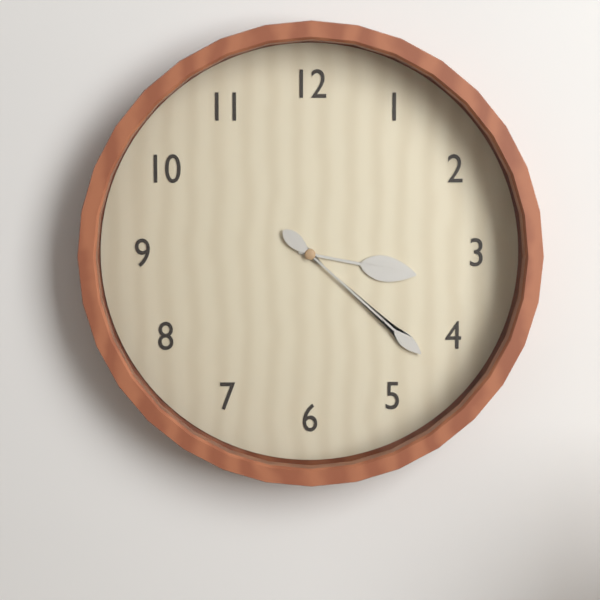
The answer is **3:22**
